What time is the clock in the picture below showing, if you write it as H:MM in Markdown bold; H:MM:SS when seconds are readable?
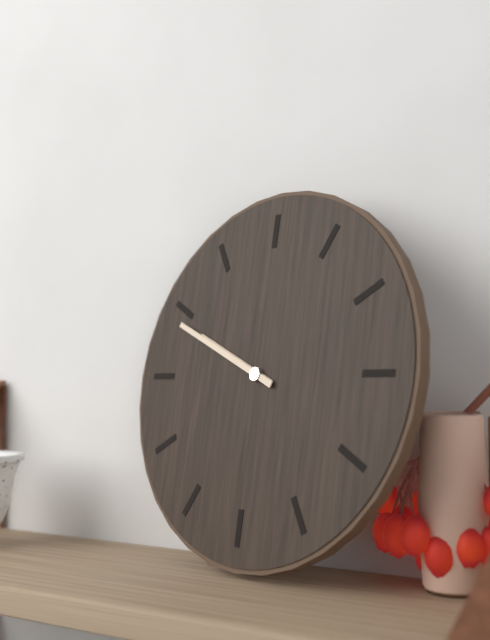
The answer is **9:49**
